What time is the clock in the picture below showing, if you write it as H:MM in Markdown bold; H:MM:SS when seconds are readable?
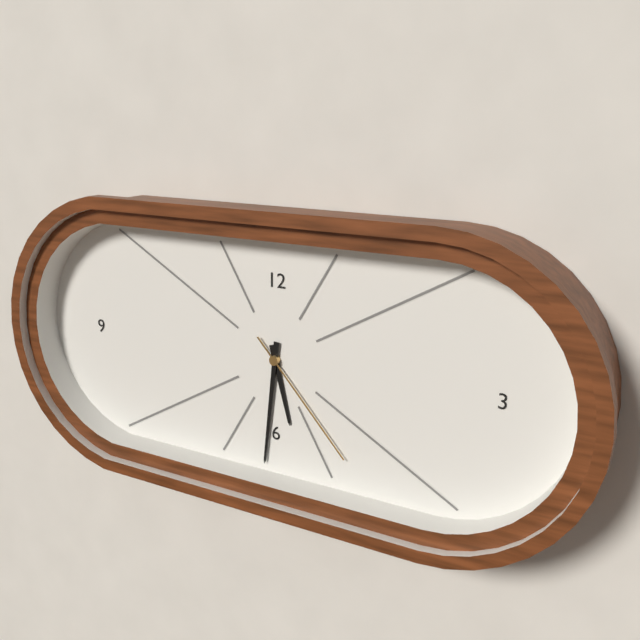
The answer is **5:31:23**
